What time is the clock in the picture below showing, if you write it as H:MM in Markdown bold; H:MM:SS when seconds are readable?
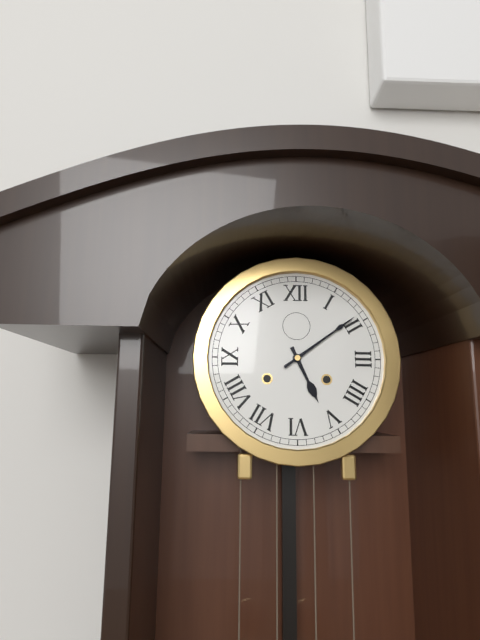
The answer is **5:09**
